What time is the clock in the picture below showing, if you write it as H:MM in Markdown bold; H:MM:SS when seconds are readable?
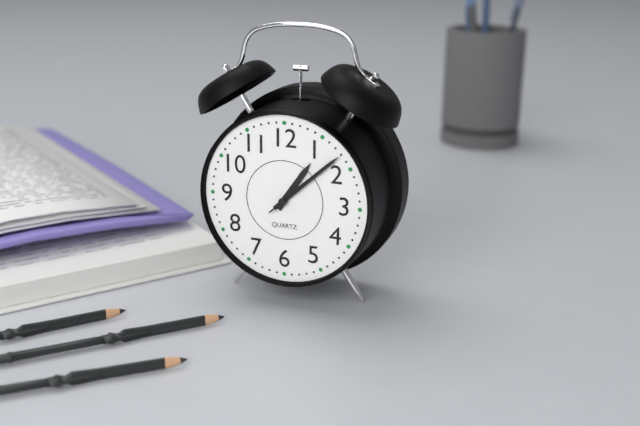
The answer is **1:08:08**
